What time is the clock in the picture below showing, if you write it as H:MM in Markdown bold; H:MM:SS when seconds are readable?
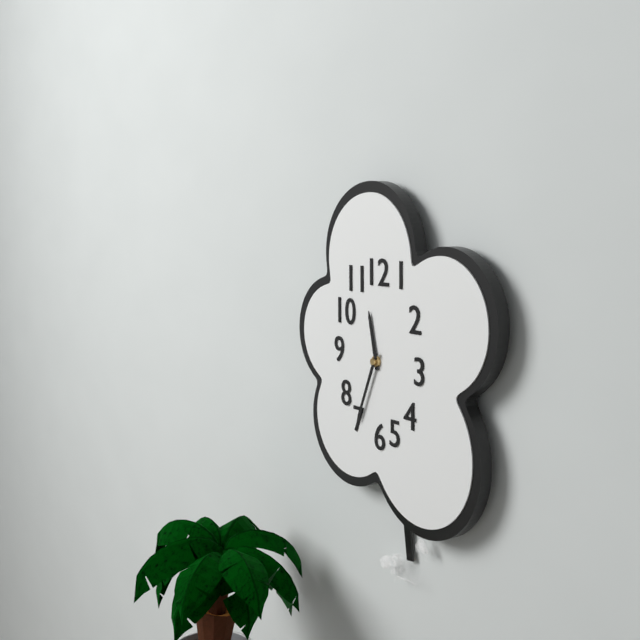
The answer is **11:34**
